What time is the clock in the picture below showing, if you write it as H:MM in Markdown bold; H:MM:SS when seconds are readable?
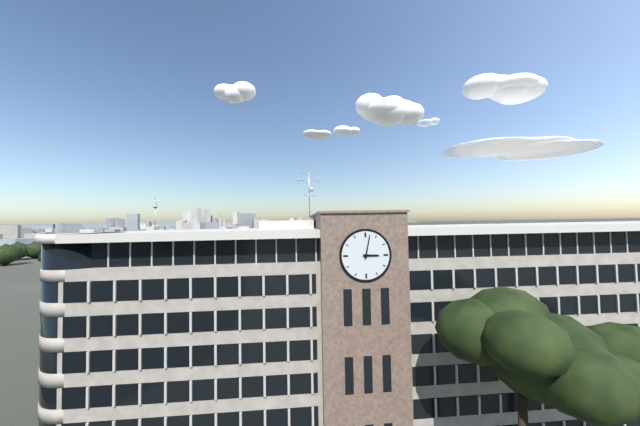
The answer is **3:02**
